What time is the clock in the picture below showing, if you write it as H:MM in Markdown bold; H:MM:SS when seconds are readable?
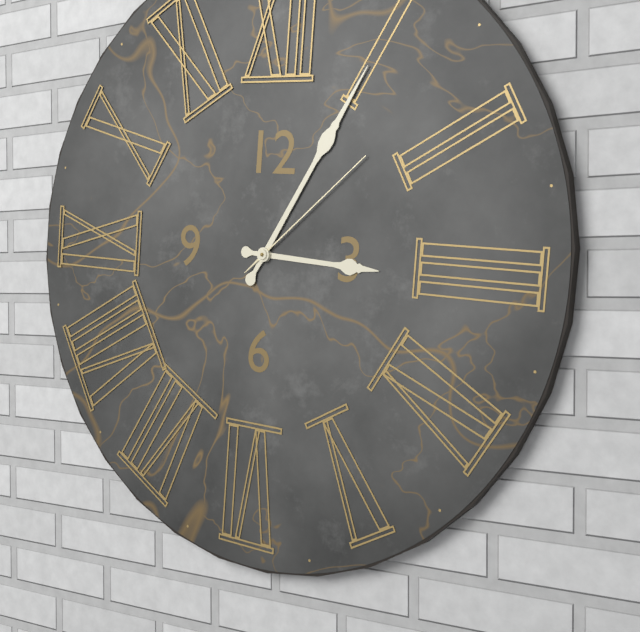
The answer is **3:05:08**
